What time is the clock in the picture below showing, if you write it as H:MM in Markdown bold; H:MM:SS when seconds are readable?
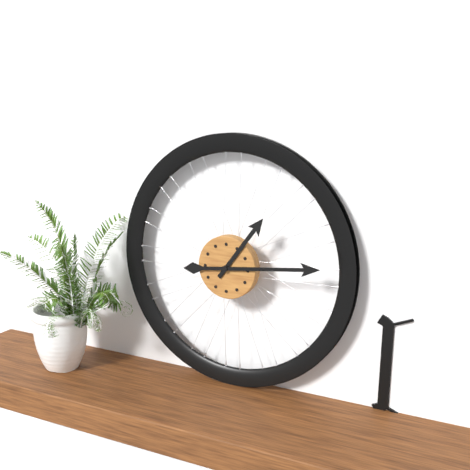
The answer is **1:14**
